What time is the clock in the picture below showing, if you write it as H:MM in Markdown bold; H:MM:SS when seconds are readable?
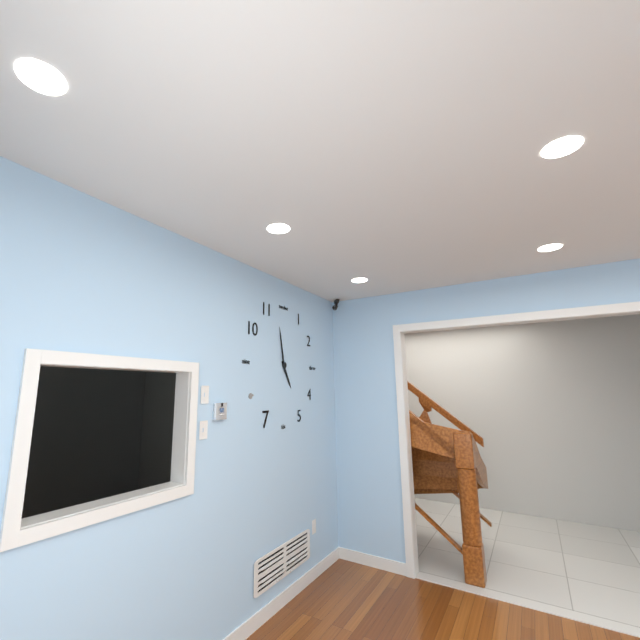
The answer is **4:58**
